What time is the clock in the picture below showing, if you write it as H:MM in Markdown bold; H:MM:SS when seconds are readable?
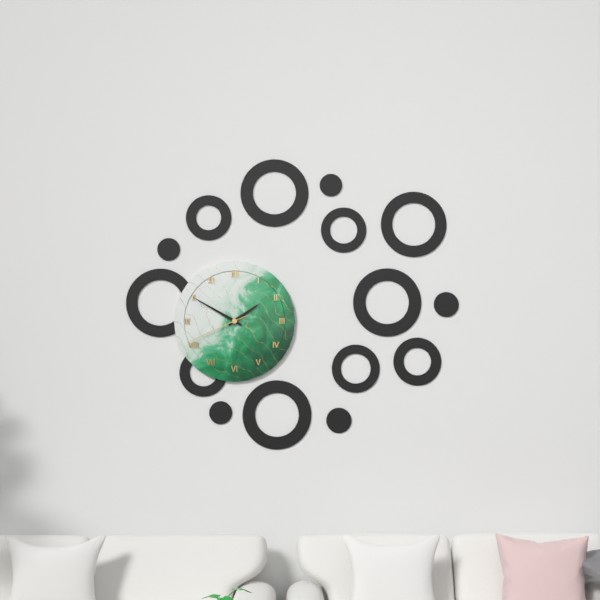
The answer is **1:50:41**
